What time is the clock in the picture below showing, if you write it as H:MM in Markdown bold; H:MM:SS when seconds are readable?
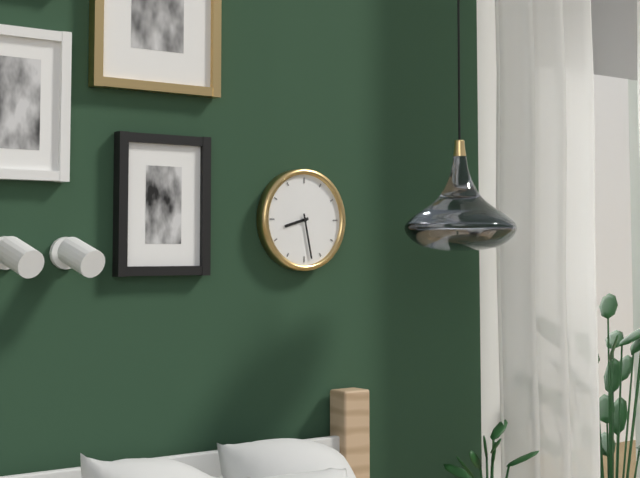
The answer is **8:28**
